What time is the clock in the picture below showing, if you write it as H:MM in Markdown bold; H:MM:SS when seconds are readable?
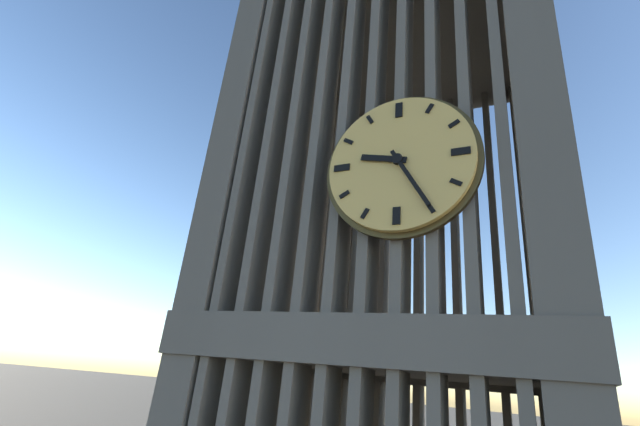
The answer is **9:25**
